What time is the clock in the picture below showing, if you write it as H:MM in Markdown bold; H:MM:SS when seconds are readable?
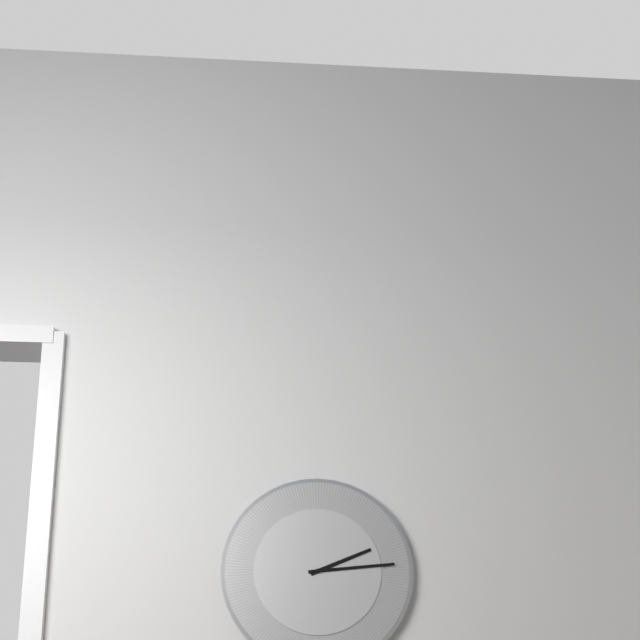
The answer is **2:14**
